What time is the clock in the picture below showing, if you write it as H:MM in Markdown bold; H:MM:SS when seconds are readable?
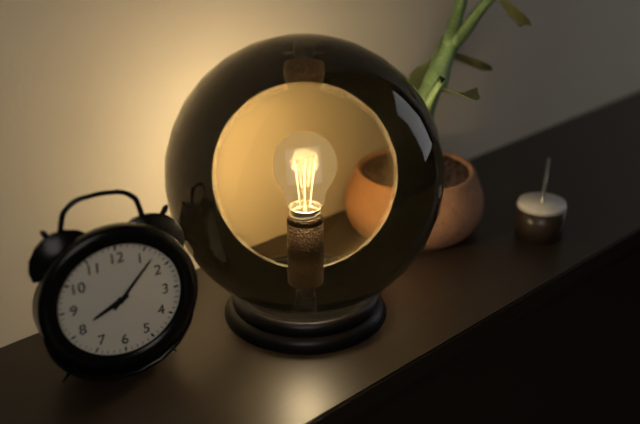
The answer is **8:07**
